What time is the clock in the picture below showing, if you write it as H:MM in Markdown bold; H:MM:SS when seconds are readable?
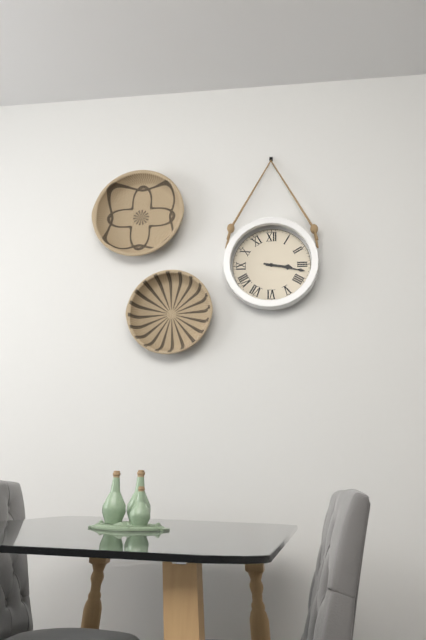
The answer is **3:17**
